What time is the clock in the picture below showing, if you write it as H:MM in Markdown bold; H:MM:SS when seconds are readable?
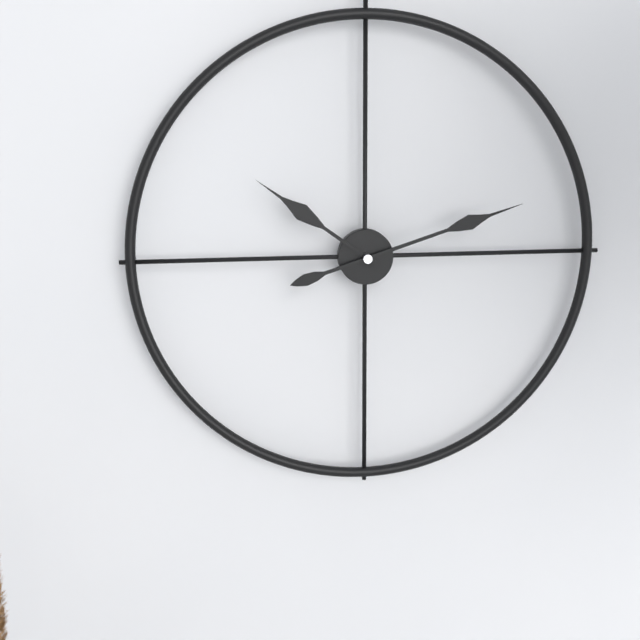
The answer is **10:12**
